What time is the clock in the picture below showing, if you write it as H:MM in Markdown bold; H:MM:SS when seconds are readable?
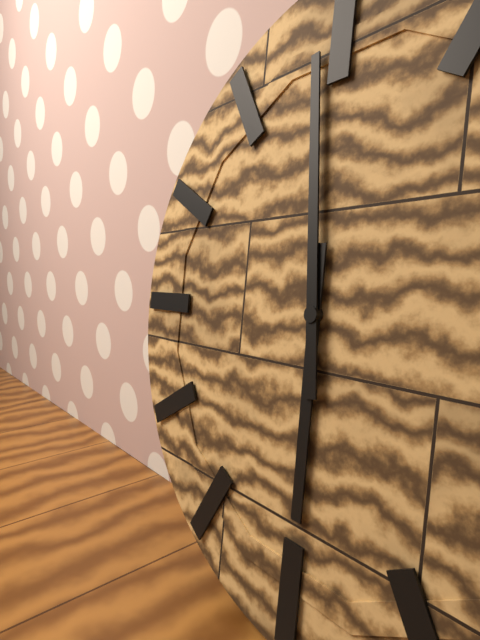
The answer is **5:59**
